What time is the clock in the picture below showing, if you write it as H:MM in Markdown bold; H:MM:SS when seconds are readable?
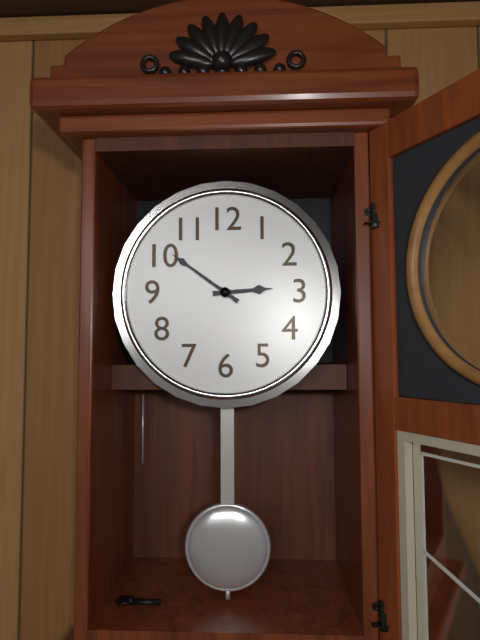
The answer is **2:51**
